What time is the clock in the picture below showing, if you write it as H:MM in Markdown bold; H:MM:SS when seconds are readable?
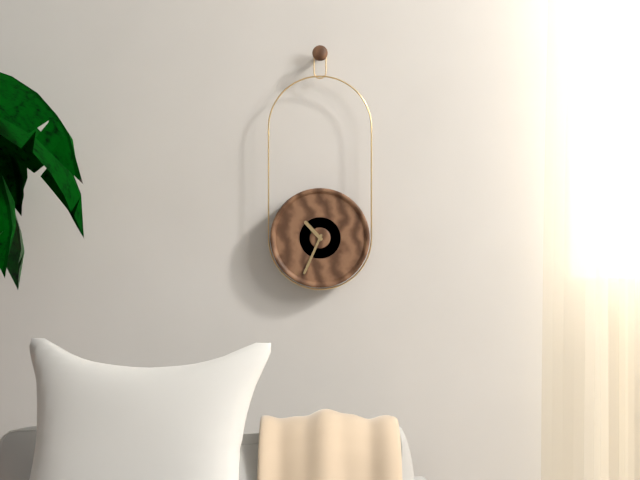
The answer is **10:34**
